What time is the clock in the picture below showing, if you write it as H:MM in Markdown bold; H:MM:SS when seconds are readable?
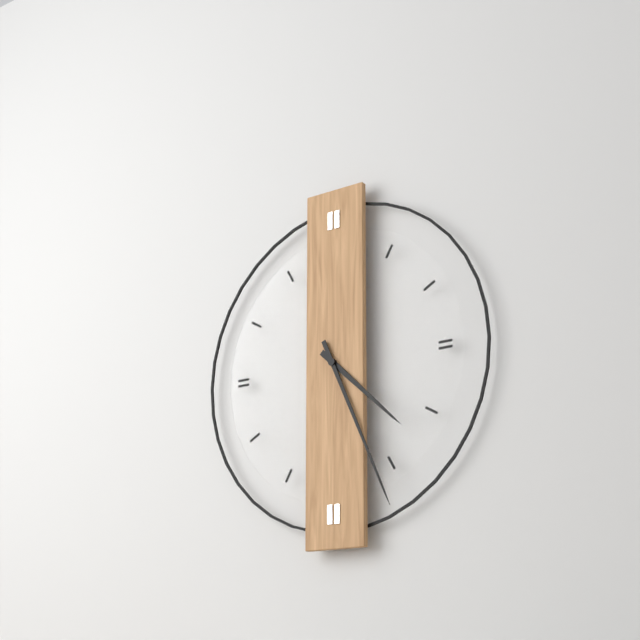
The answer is **4:26**
